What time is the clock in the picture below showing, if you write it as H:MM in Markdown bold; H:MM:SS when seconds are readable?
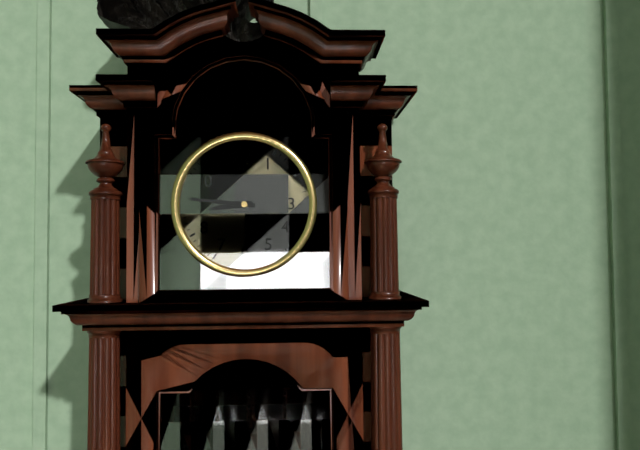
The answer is **8:46**
